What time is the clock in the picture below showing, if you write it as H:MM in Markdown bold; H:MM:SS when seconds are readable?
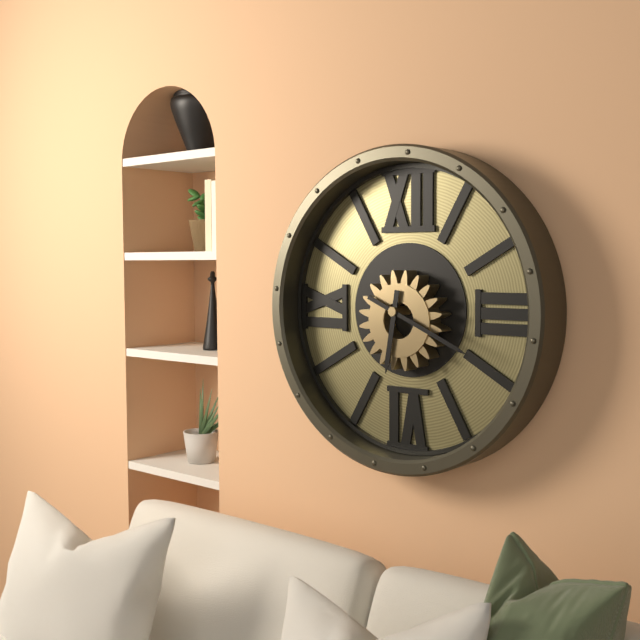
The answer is **6:19**
